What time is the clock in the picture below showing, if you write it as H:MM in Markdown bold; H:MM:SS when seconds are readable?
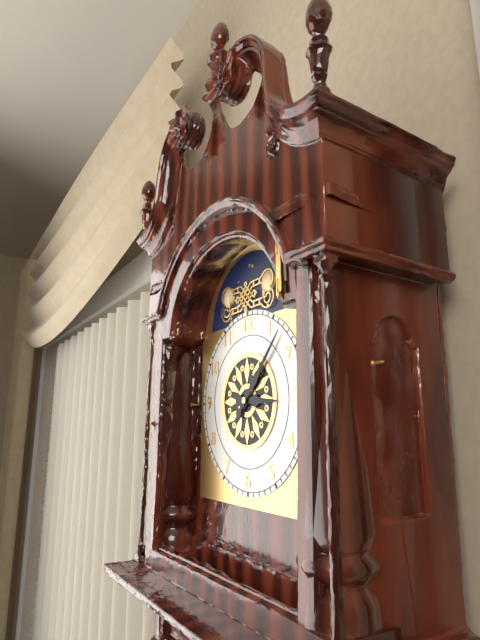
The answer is **3:07**
